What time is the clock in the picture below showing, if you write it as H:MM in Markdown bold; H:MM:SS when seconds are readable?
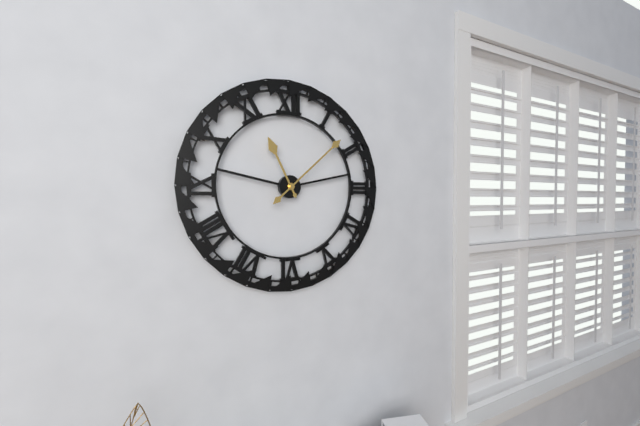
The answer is **11:08**
